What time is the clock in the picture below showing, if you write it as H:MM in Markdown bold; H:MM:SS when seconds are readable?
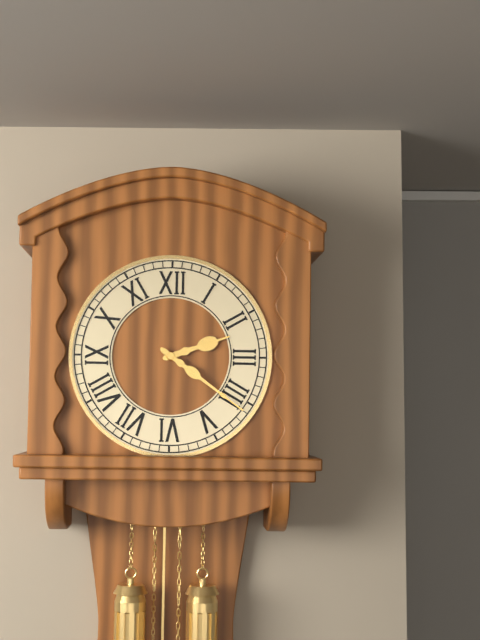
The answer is **2:21**
